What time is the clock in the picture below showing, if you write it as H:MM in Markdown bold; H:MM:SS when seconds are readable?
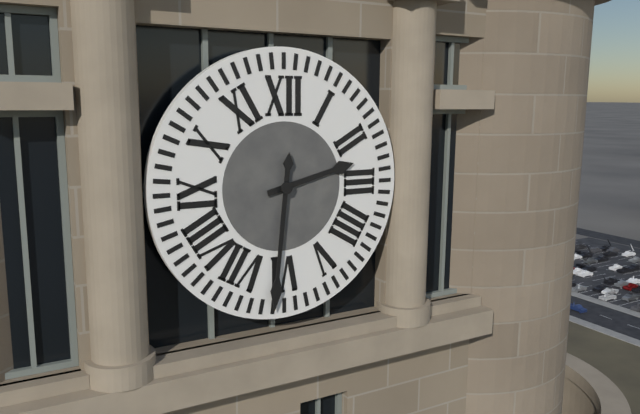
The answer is **2:31**
